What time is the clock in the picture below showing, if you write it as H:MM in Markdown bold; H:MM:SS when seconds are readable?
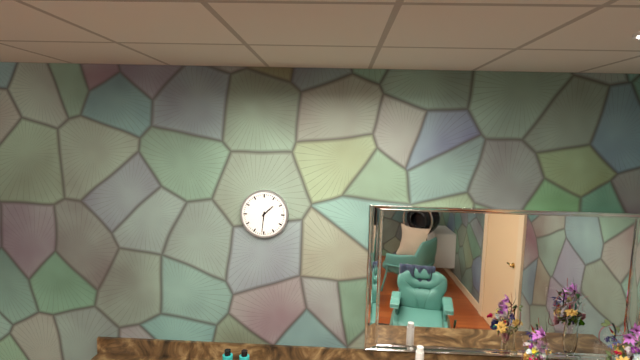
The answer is **1:31**
